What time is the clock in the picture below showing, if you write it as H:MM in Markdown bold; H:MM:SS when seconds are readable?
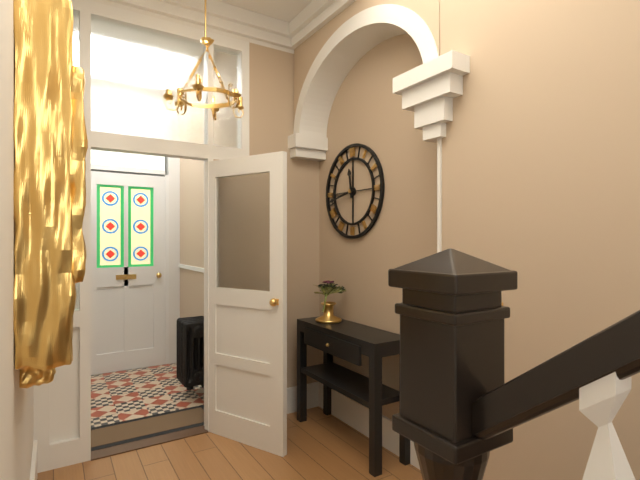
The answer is **11:43**
